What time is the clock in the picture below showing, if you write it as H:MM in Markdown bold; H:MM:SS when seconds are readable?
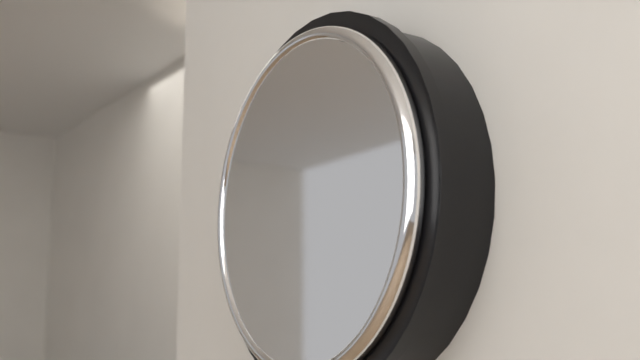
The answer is **1:35**
